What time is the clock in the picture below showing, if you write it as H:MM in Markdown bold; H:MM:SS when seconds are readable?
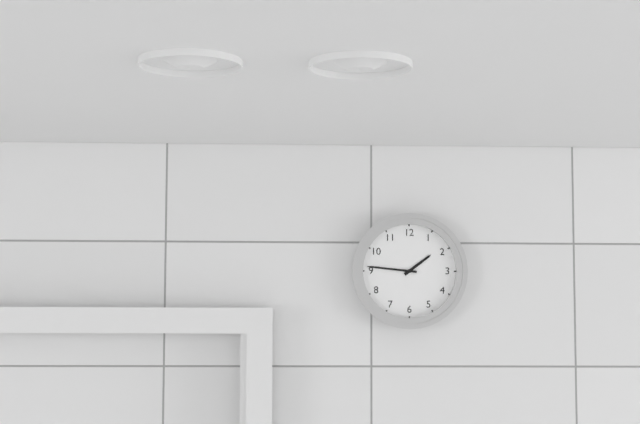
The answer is **1:46**
